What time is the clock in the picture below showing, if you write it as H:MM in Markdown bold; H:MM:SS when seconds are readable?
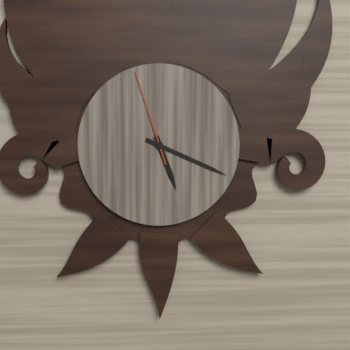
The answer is **5:19:57**
